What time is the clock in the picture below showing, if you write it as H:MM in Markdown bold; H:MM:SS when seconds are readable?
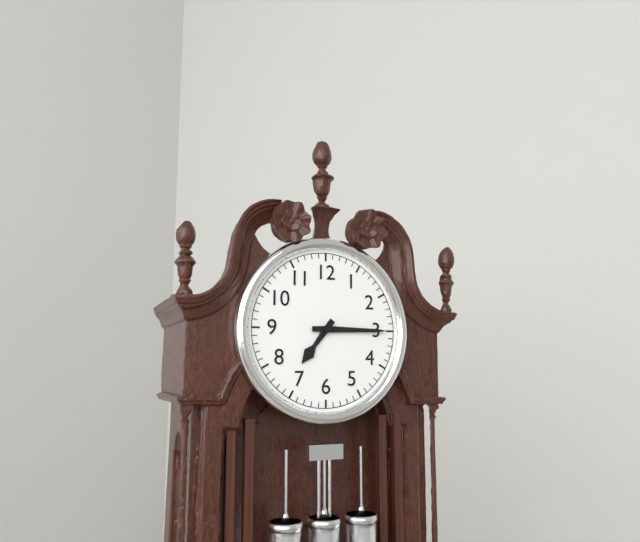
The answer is **7:15**
